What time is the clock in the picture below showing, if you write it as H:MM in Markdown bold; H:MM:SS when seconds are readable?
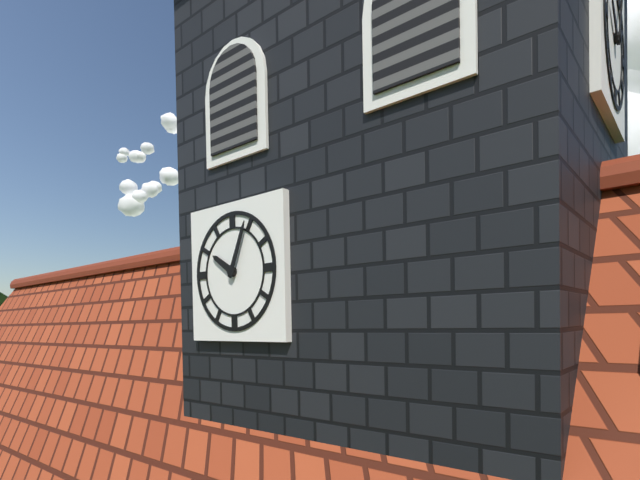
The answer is **10:04**
